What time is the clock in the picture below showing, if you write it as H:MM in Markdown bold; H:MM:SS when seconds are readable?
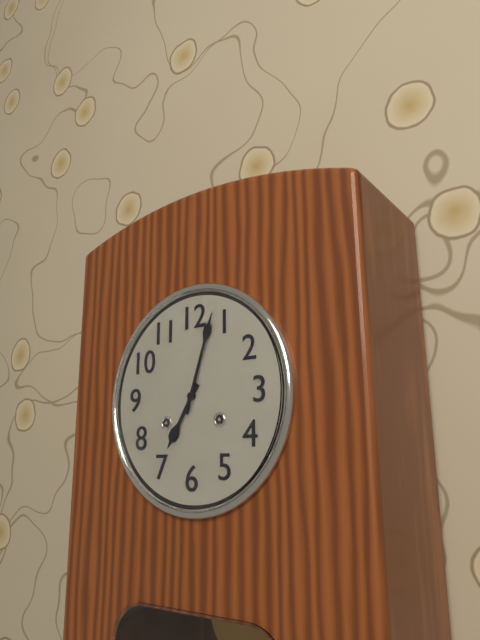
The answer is **7:03**
